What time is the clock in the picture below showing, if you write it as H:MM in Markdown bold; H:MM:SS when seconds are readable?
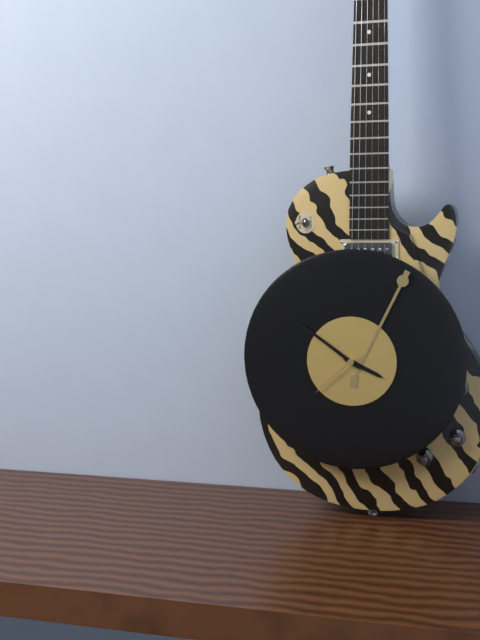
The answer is **3:51:38**
